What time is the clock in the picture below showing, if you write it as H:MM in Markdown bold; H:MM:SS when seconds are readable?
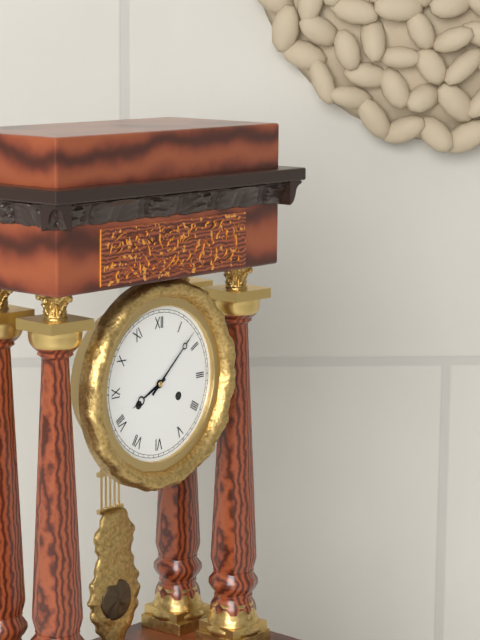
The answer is **8:08**
